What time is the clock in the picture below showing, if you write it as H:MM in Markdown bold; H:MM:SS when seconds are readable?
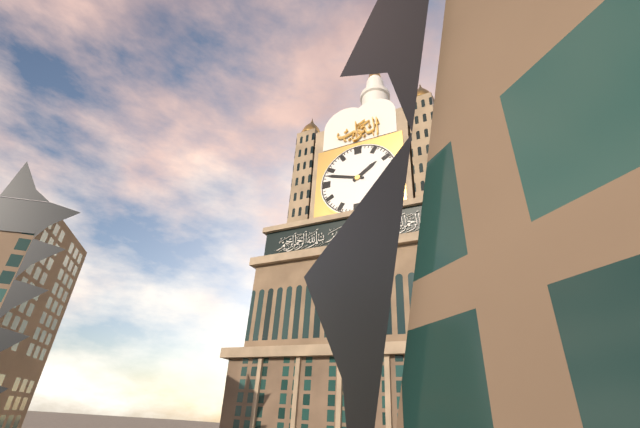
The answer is **1:48**
